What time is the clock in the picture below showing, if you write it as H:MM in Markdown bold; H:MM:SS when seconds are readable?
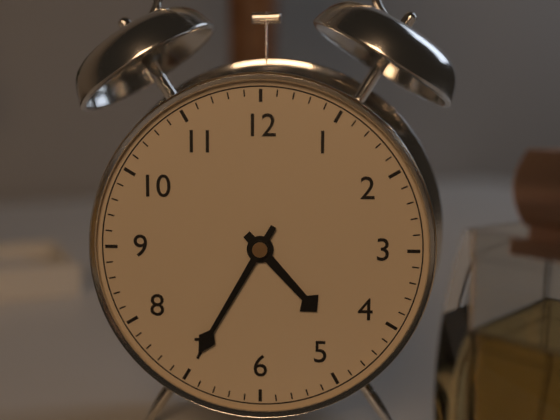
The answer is **4:35**
